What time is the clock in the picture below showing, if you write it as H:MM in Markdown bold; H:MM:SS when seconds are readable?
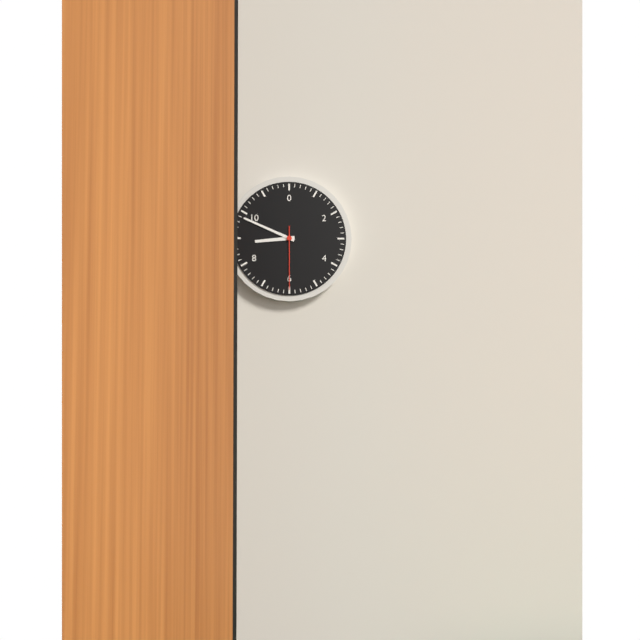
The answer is **8:49:30**
